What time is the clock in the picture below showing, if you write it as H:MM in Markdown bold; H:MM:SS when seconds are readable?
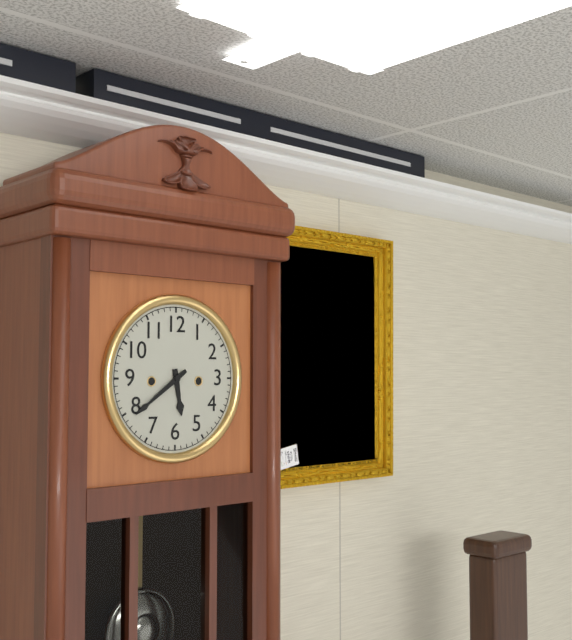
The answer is **5:39**
